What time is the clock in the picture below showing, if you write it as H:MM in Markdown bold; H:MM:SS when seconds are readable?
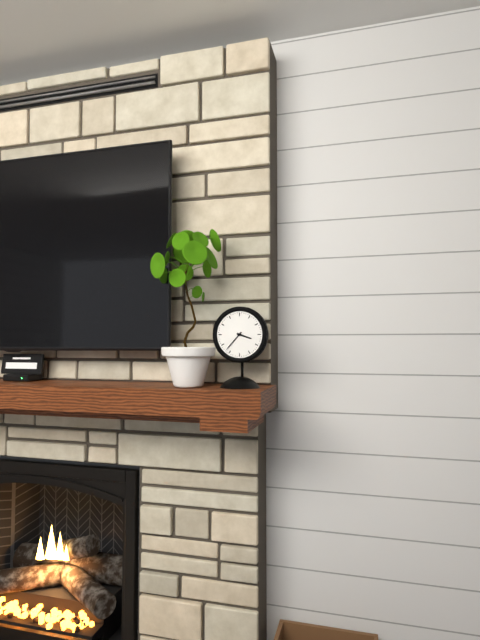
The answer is **3:37**
